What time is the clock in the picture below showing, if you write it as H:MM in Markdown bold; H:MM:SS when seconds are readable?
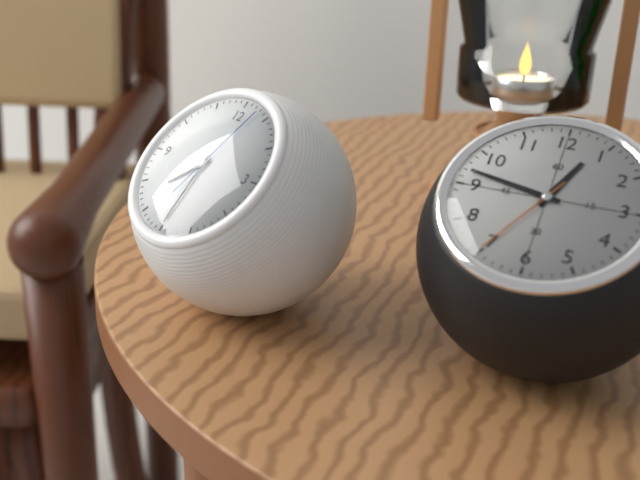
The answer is **7:30:03**
